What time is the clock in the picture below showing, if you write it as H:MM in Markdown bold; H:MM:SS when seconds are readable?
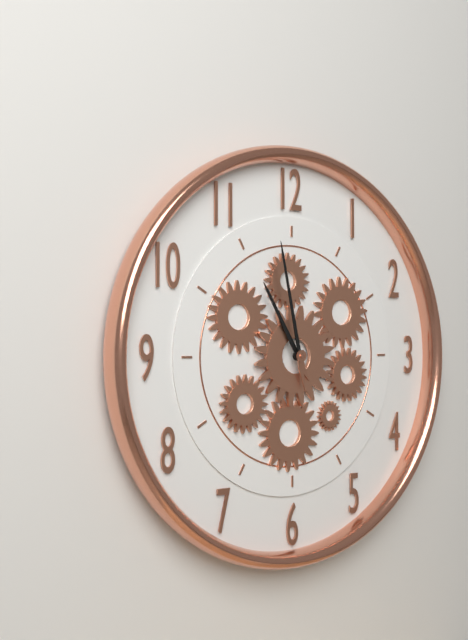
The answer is **10:58**
